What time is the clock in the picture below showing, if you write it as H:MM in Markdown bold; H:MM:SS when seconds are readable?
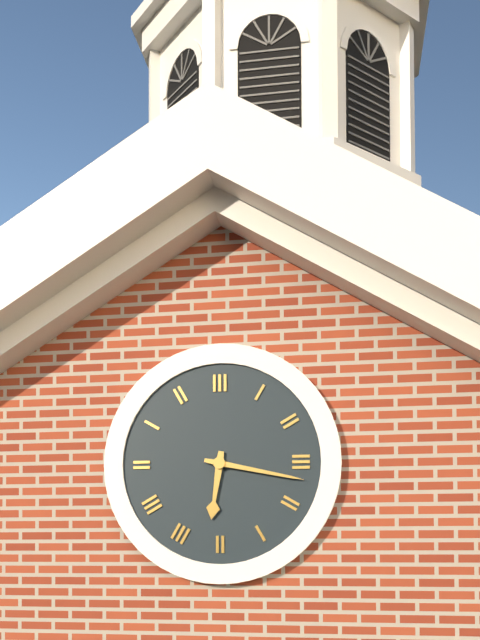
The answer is **6:17**
